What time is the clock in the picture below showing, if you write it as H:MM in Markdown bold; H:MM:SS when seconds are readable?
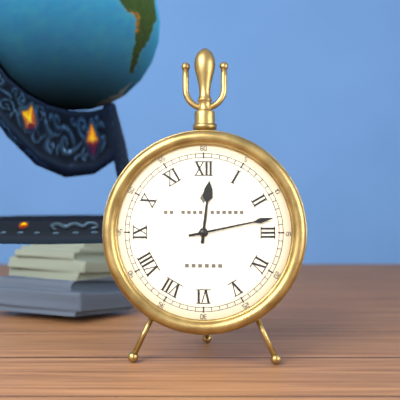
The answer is **12:13**
